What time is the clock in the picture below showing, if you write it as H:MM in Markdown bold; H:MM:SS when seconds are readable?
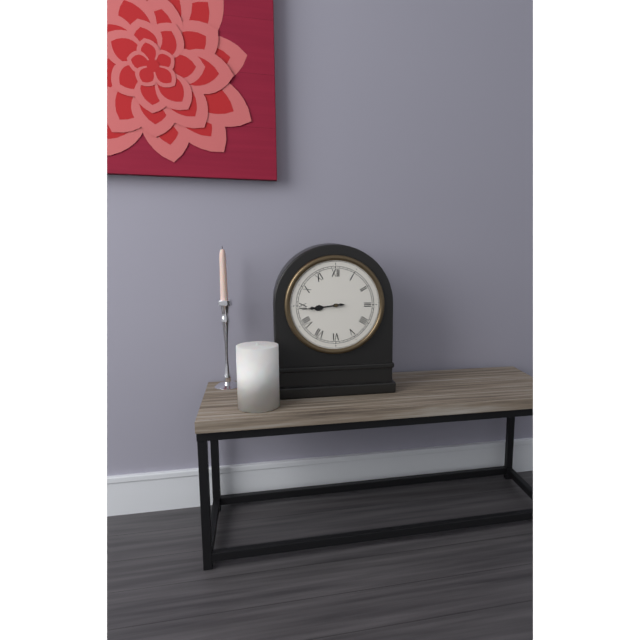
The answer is **8:44**
